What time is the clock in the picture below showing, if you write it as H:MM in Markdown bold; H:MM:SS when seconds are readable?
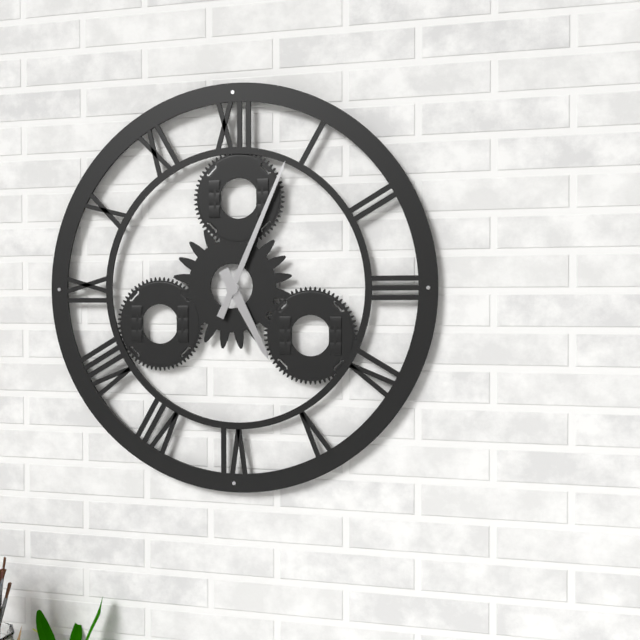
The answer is **5:04**
